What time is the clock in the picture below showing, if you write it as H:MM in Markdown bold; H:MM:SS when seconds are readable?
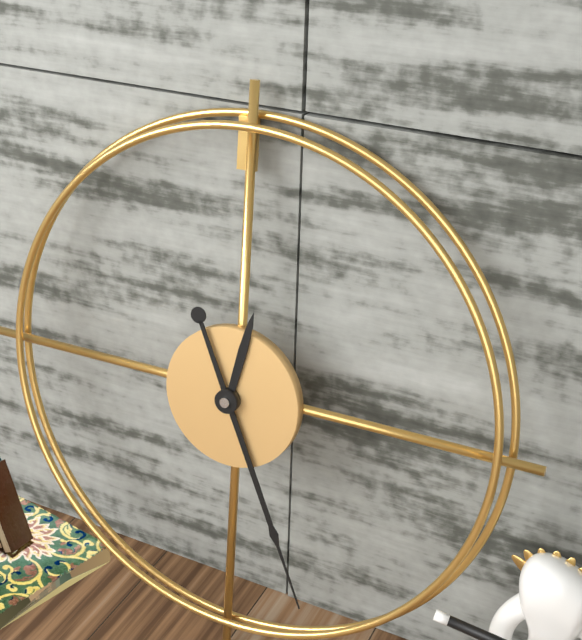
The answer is **12:26**
